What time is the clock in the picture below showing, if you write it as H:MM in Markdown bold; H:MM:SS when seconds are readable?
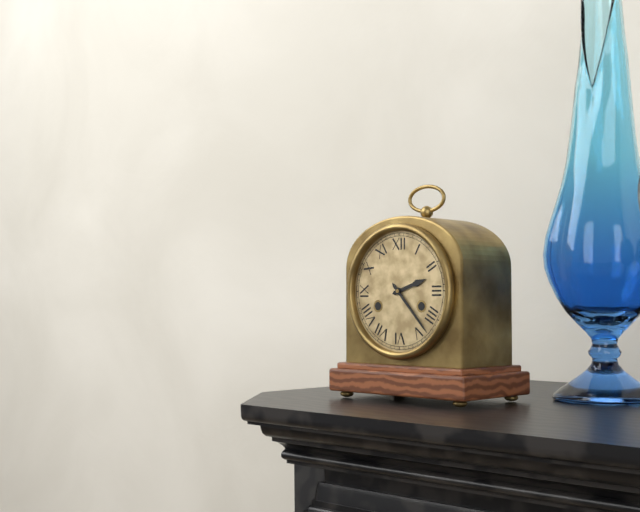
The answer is **2:23**
